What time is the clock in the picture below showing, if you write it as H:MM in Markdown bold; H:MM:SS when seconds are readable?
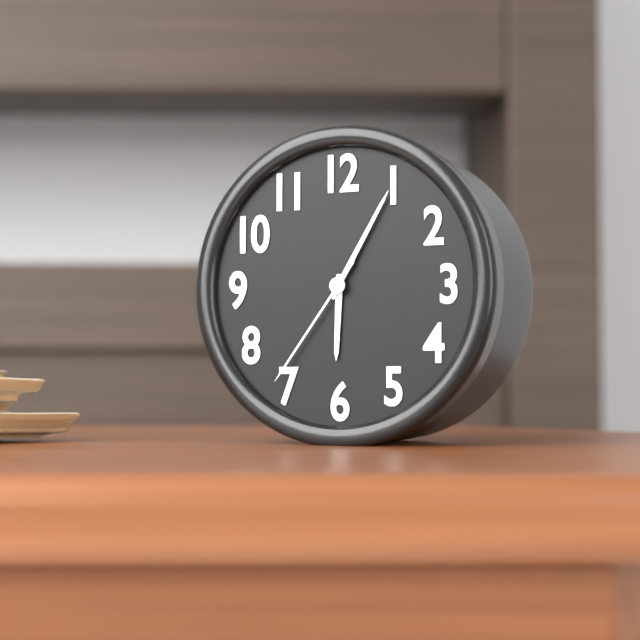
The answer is **6:05:36**
